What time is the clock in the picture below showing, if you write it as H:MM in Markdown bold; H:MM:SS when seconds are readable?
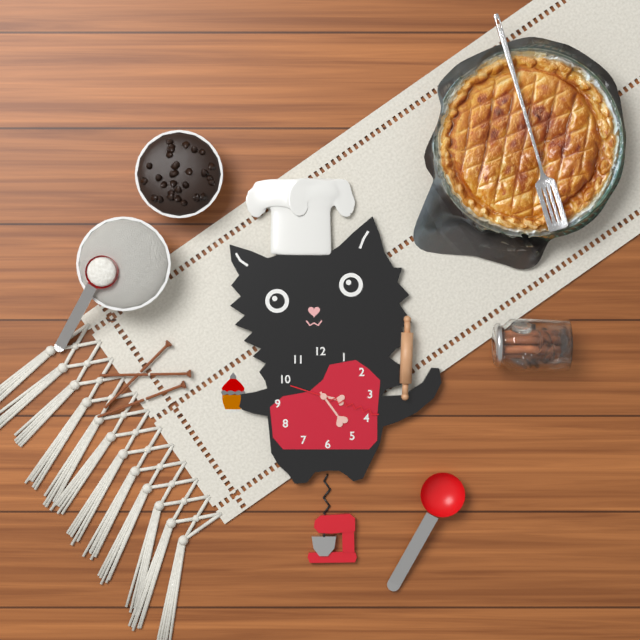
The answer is **3:24:18**
